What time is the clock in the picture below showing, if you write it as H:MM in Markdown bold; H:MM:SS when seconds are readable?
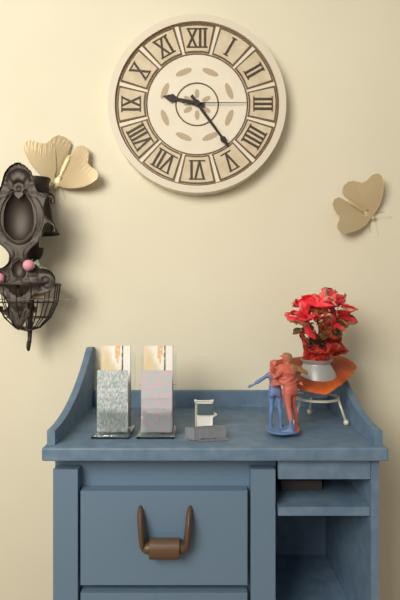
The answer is **9:24:15**
